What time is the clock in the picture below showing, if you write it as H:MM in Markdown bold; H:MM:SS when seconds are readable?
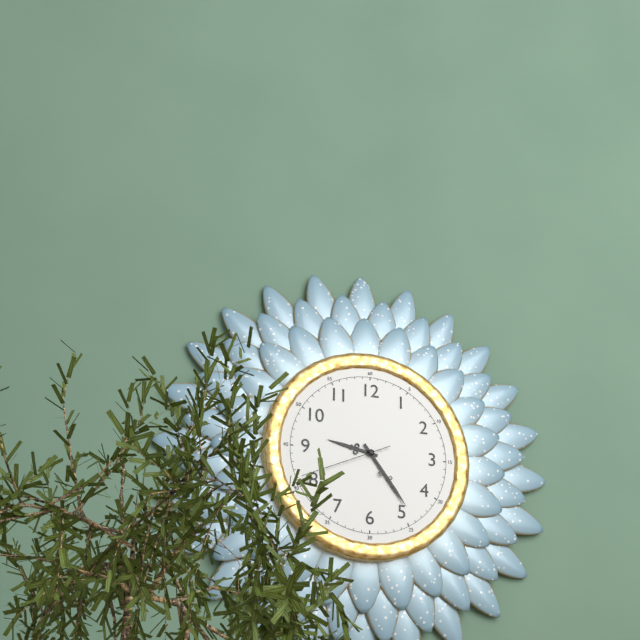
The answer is **9:24:41**
